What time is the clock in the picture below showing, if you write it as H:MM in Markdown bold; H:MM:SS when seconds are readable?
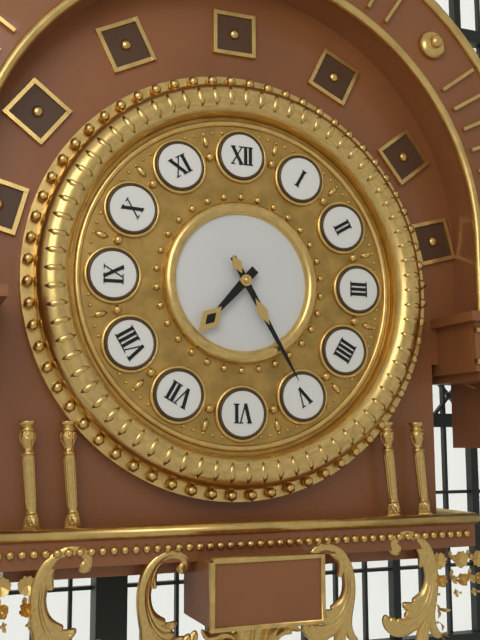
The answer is **7:25**
